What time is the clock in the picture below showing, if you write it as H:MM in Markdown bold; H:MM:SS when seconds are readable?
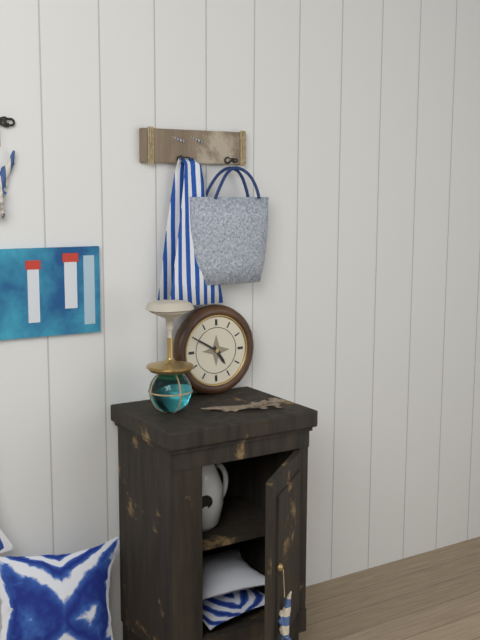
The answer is **4:50**
